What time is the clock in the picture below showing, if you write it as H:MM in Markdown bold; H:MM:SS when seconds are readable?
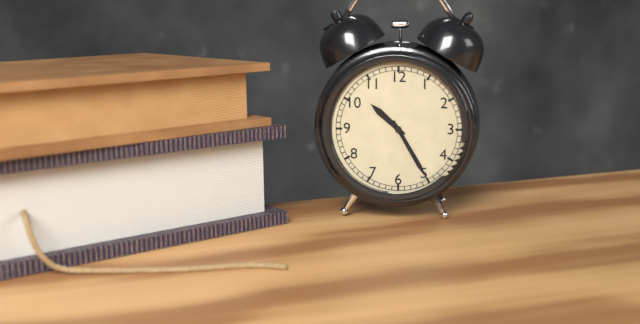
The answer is **10:25**
